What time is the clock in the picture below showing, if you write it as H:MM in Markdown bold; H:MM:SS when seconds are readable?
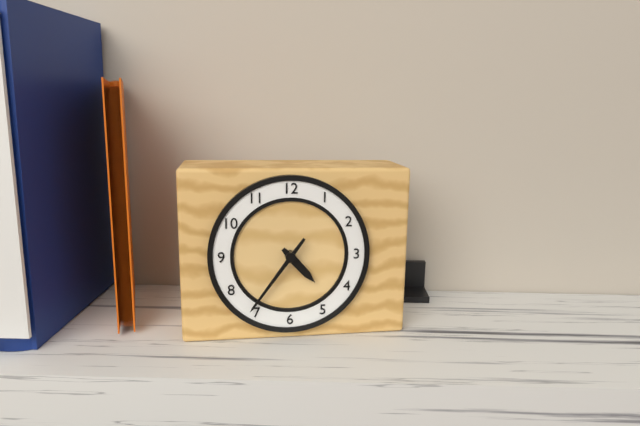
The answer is **4:36**
